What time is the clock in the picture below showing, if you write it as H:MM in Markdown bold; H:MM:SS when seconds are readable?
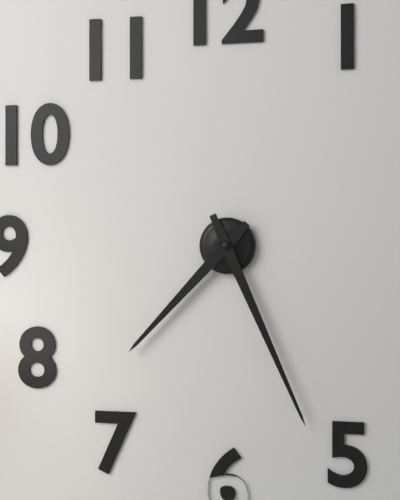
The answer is **7:26**
